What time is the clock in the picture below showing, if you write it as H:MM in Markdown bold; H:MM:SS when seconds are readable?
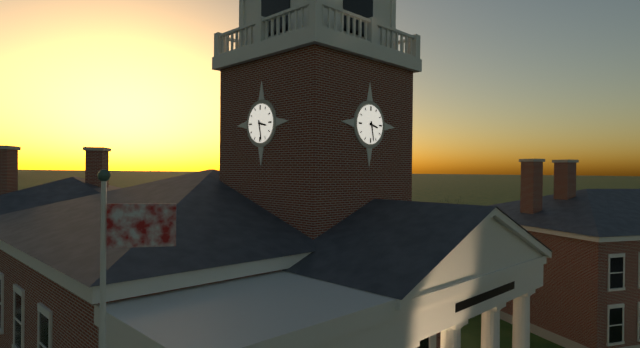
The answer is **3:28**
